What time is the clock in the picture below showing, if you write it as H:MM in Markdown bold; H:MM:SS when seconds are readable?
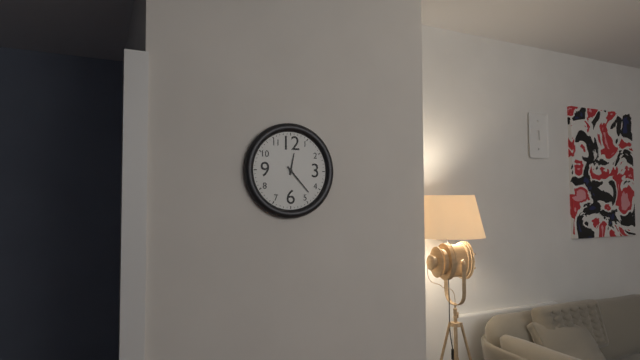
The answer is **12:23**
